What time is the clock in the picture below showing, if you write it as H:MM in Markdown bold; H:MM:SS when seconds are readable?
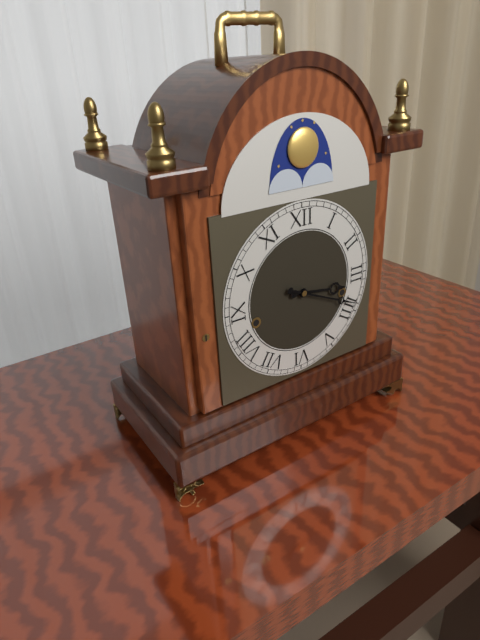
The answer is **3:19**
